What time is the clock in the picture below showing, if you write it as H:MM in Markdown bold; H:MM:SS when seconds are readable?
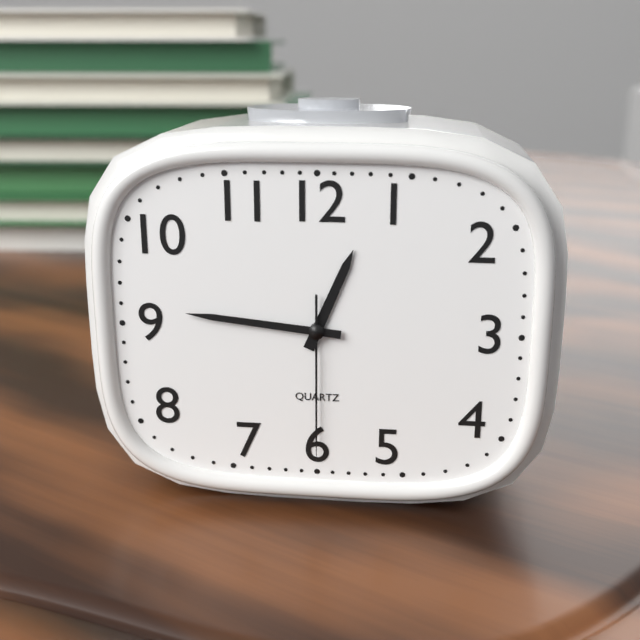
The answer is **12:46:30**
